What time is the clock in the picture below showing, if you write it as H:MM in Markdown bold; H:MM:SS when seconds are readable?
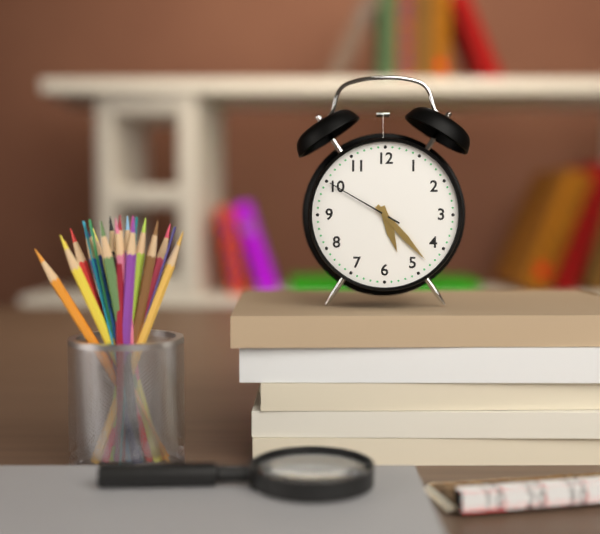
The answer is **5:23:50**
